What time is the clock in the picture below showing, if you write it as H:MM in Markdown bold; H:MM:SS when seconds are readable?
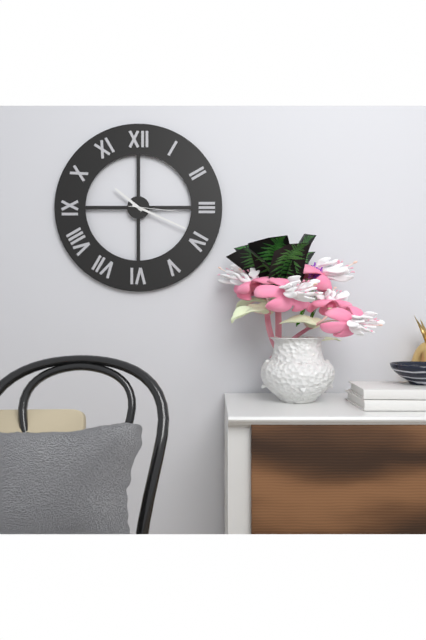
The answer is **10:19:16**
